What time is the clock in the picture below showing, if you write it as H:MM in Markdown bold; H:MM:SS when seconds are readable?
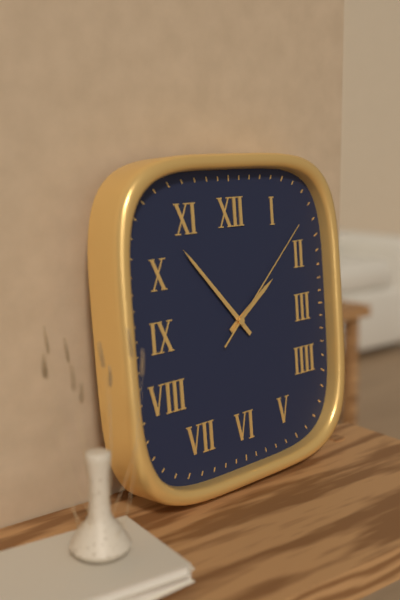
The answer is **1:53:08**
